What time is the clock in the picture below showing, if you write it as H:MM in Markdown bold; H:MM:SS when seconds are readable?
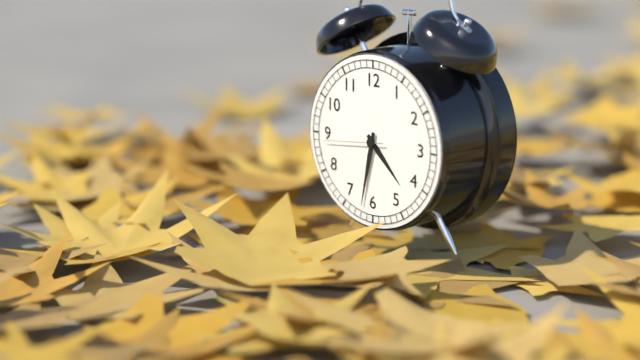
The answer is **4:32:44**
